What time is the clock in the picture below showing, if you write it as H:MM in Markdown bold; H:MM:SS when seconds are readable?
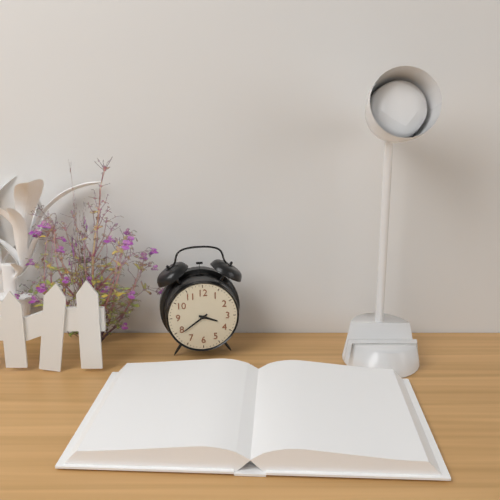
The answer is **3:39**
